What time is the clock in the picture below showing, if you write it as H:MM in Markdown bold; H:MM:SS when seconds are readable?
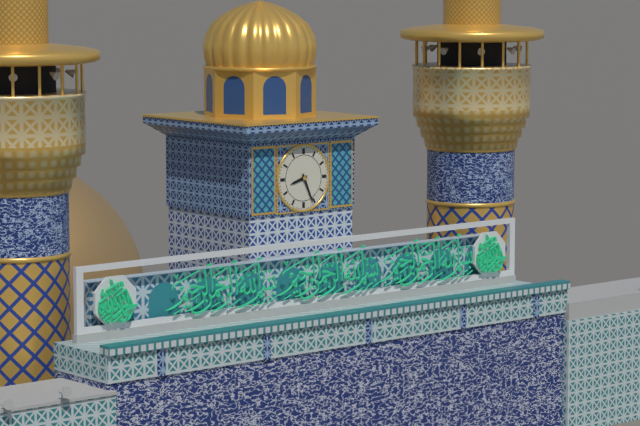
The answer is **8:26**
